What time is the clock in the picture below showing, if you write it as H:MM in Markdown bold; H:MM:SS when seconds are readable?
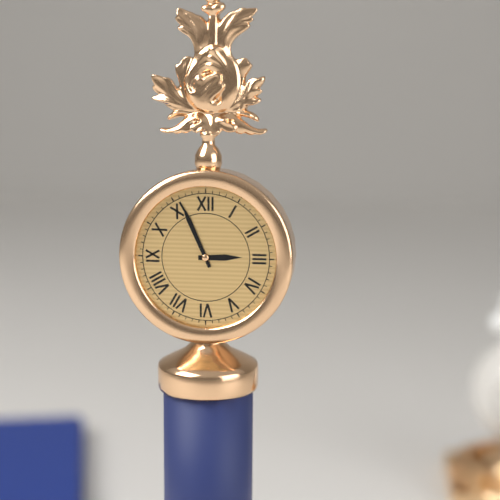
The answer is **2:56**
